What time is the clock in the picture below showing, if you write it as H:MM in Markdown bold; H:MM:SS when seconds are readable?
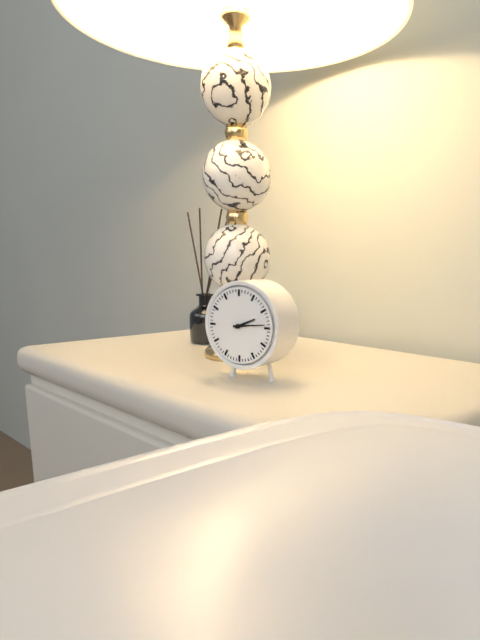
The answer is **2:14**
